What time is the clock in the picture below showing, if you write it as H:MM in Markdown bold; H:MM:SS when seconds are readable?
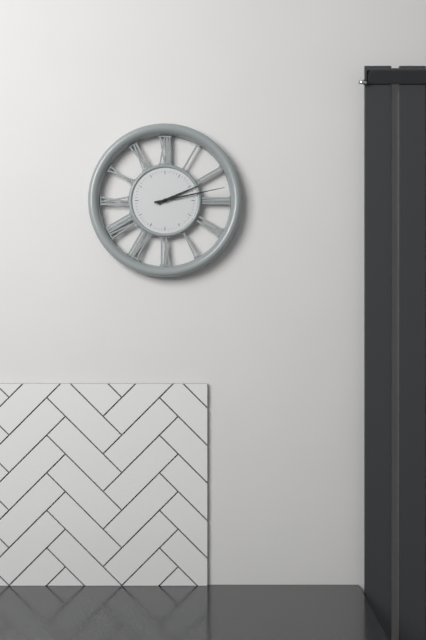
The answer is **2:13**
